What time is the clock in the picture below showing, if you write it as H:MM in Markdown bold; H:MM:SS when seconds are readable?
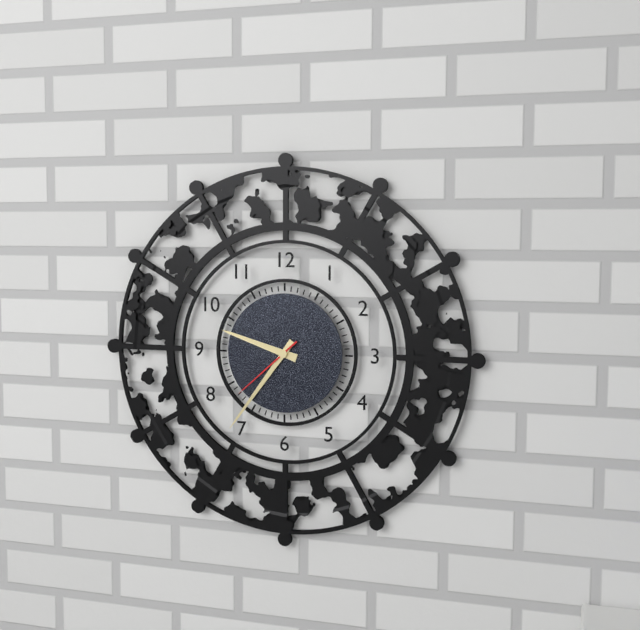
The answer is **9:36:38**
